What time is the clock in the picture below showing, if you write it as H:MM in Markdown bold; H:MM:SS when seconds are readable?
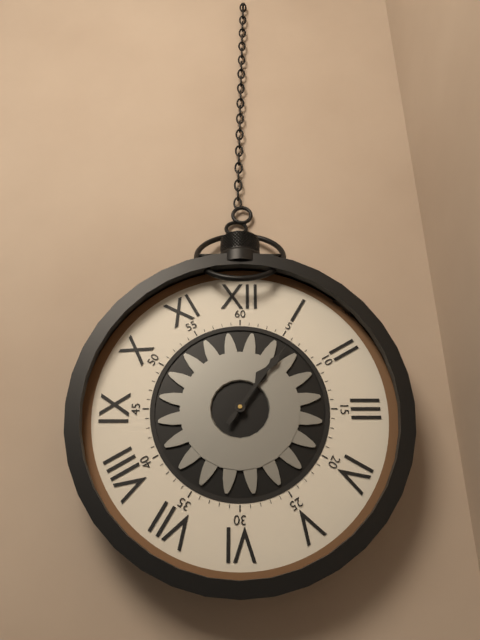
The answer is **1:06**
